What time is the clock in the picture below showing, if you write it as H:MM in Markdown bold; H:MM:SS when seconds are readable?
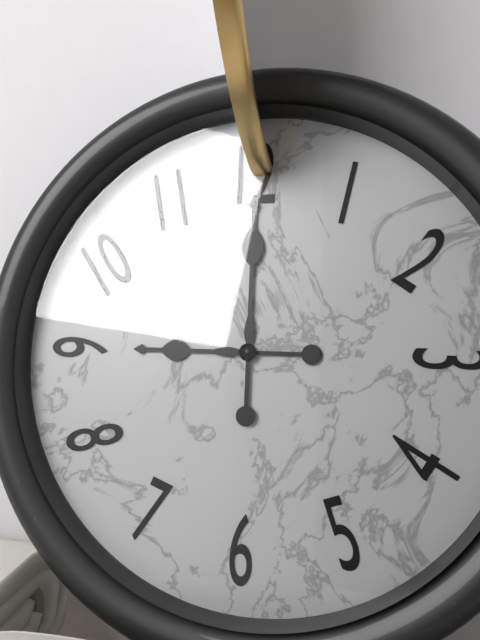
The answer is **9:00**
